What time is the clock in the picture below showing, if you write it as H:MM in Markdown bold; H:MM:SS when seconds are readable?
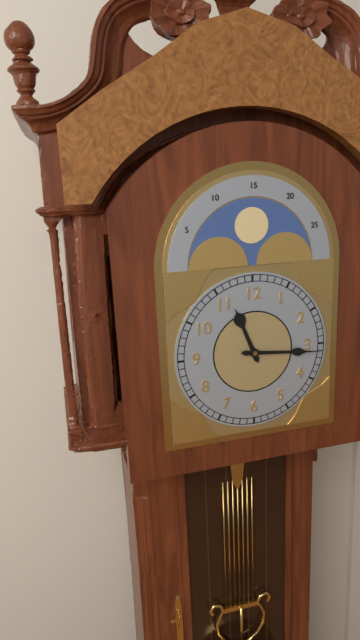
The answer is **11:16**
